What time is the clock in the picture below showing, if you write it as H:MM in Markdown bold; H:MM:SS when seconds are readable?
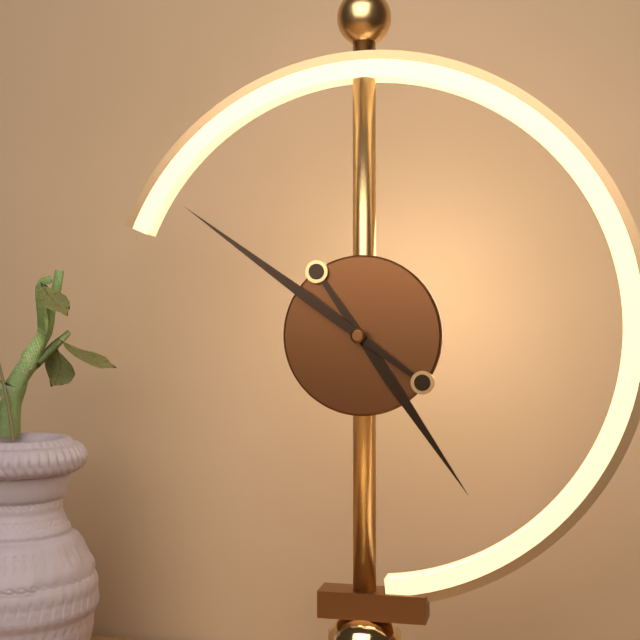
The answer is **4:51**
